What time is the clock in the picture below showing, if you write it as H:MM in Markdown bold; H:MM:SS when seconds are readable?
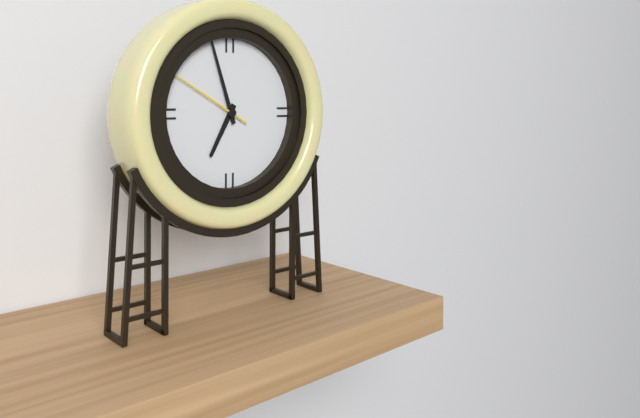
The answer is **6:57:50**
